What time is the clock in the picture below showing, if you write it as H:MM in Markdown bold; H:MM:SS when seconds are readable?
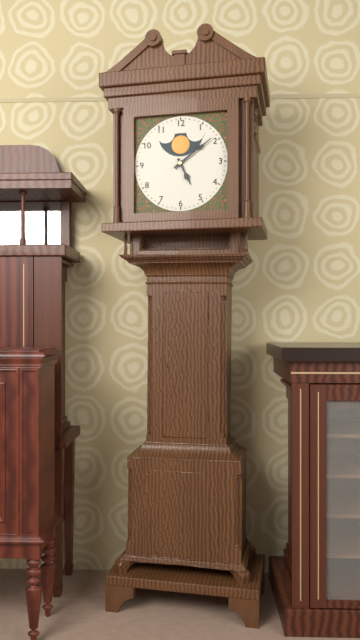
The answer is **5:09**
